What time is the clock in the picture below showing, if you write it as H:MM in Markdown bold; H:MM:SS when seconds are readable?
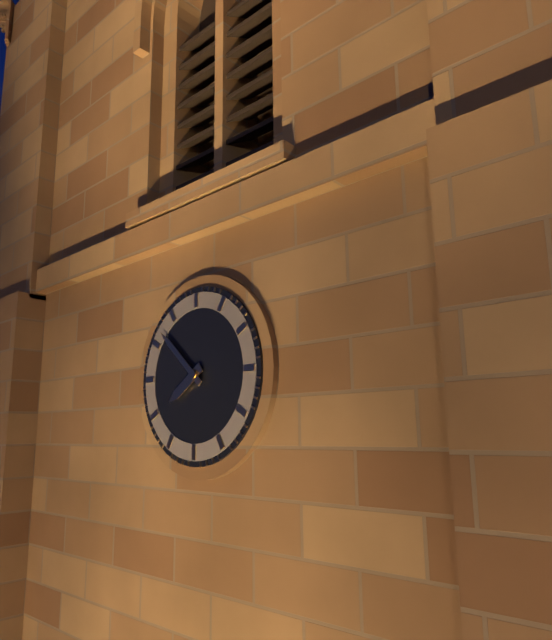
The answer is **7:52**
